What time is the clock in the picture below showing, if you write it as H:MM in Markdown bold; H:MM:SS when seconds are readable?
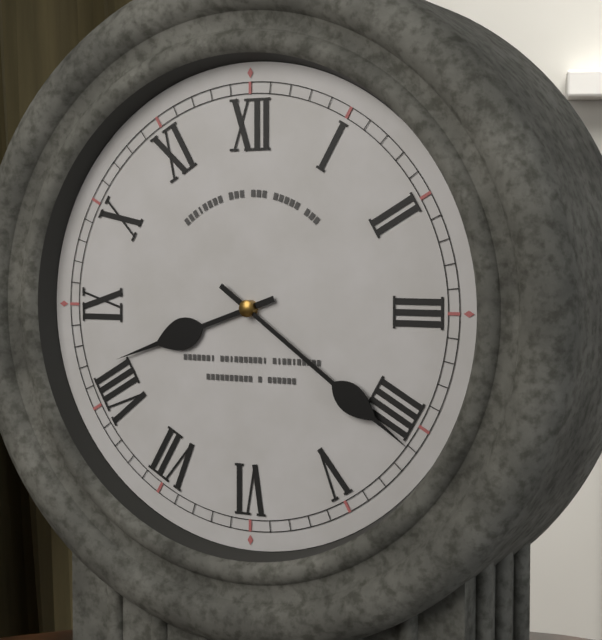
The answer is **8:21**
